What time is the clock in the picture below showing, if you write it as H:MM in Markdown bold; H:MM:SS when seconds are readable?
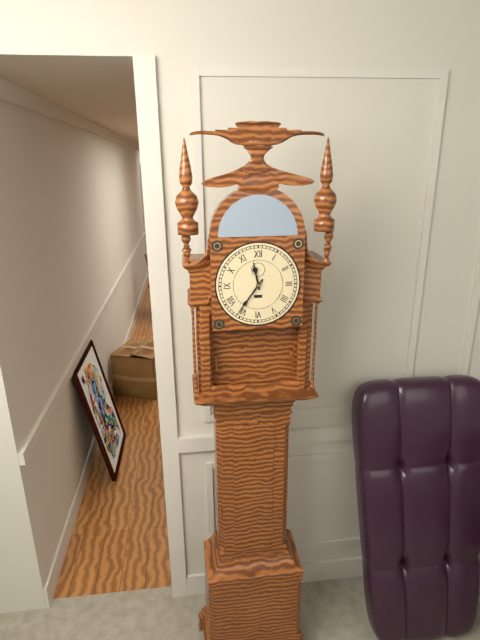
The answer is **11:36**
